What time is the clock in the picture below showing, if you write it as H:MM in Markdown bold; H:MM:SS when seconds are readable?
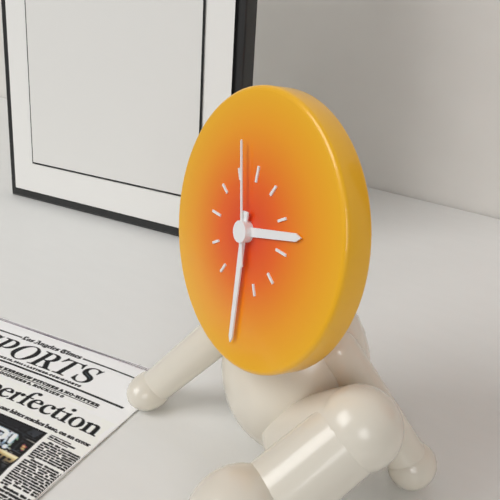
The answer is **2:29:57**
